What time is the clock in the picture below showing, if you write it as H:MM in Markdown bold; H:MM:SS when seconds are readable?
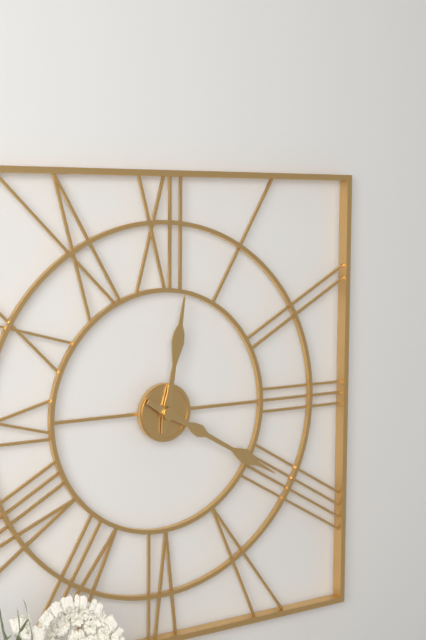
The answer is **12:20**
